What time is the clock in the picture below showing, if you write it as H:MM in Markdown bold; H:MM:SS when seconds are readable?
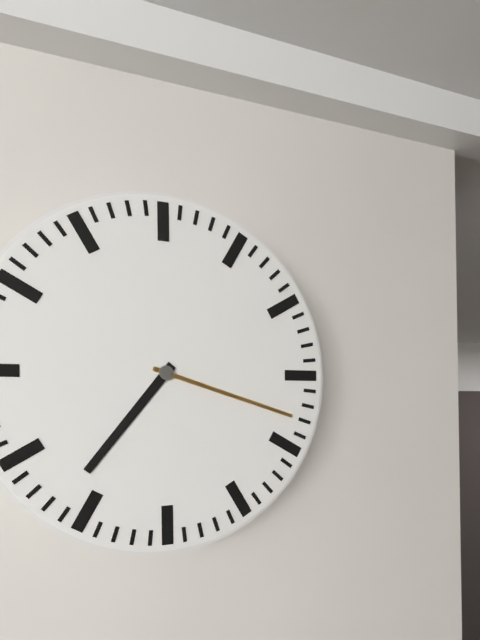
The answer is **7:18**
